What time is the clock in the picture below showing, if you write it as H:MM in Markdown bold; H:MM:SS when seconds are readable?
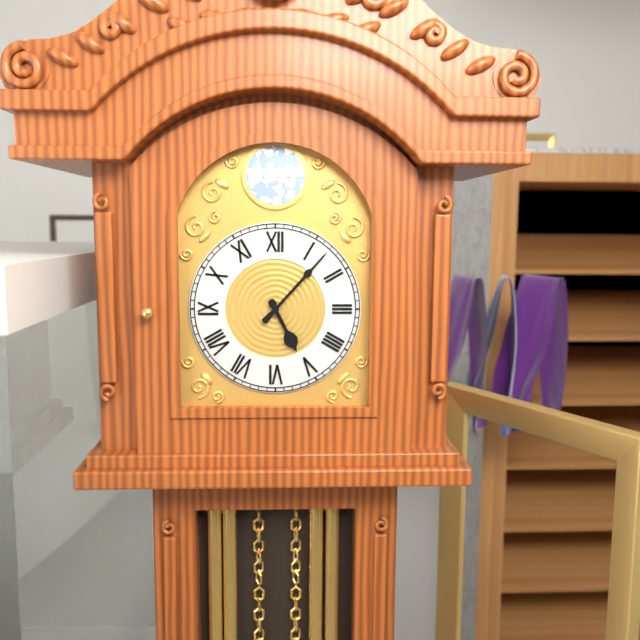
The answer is **5:07**
